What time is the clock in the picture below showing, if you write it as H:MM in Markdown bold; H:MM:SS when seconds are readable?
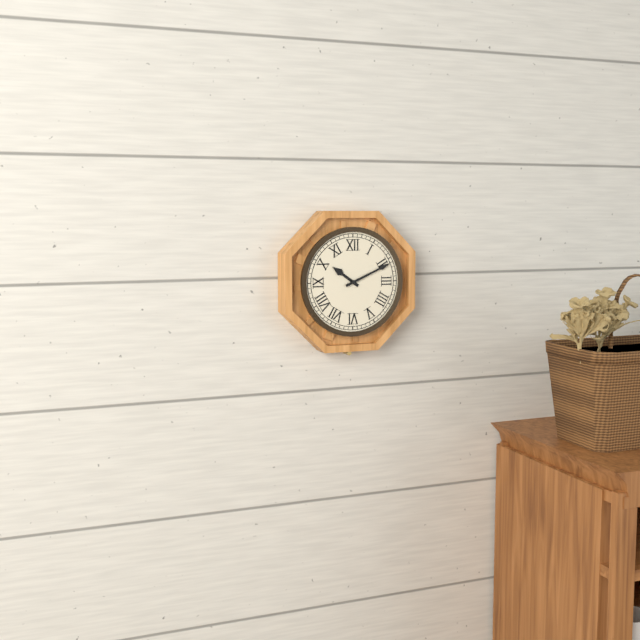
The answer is **10:11**
